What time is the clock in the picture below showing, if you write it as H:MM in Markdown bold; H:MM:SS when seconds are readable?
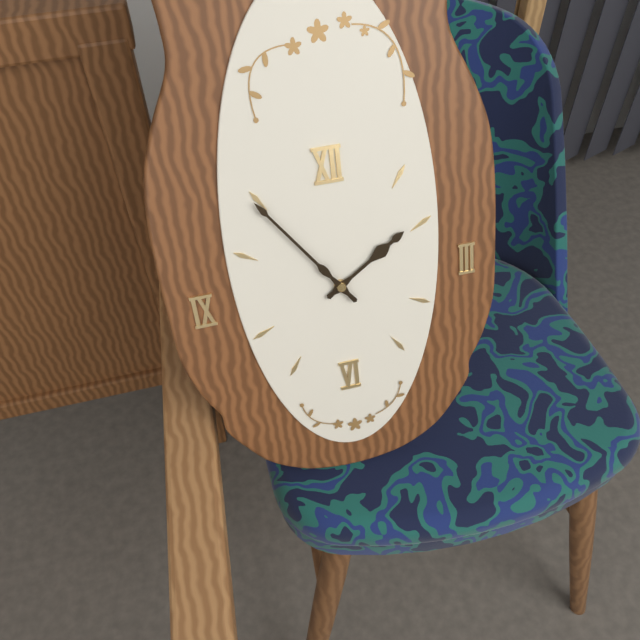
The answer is **1:54**
